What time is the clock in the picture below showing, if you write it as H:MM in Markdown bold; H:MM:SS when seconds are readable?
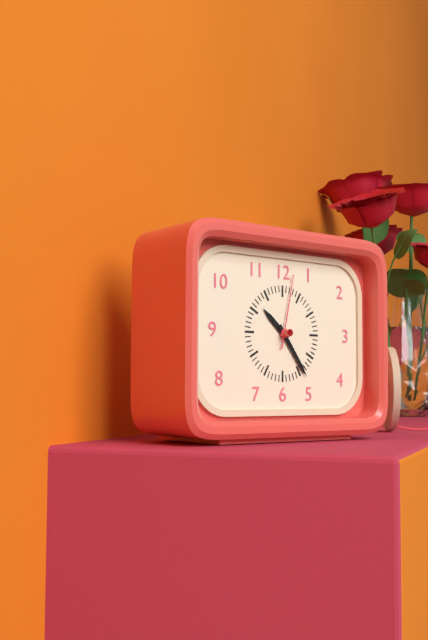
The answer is **10:24:02**
